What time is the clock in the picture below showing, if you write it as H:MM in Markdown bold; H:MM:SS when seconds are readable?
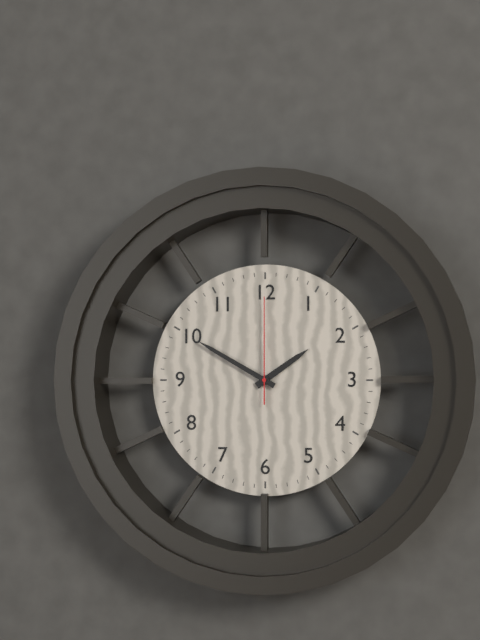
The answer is **1:50:00**
